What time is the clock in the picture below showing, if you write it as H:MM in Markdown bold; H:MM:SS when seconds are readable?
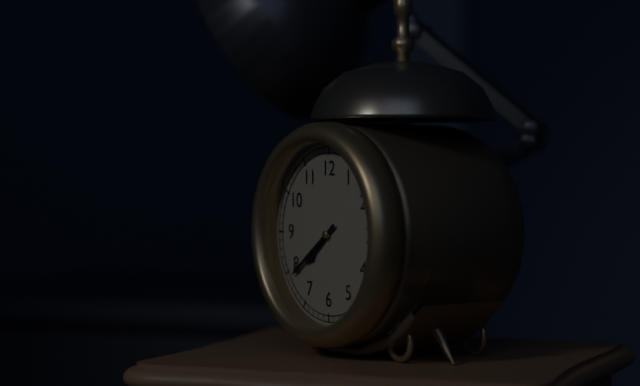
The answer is **7:39**
